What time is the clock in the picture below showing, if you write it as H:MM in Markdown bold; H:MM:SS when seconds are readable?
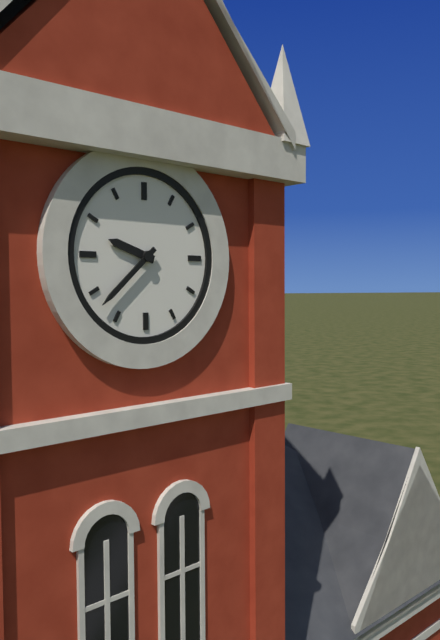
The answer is **9:38**
